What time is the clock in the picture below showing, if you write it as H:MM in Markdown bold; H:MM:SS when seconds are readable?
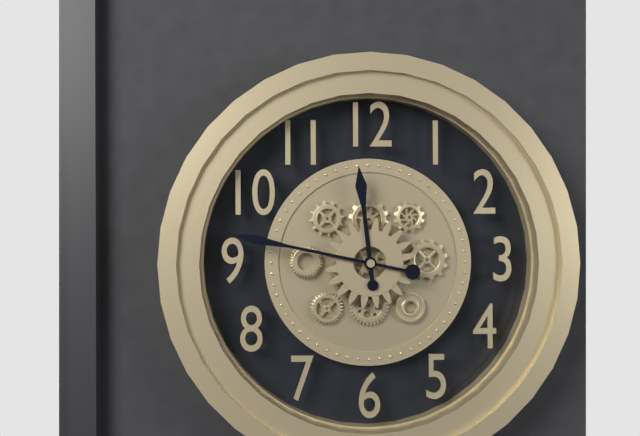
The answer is **11:47**
